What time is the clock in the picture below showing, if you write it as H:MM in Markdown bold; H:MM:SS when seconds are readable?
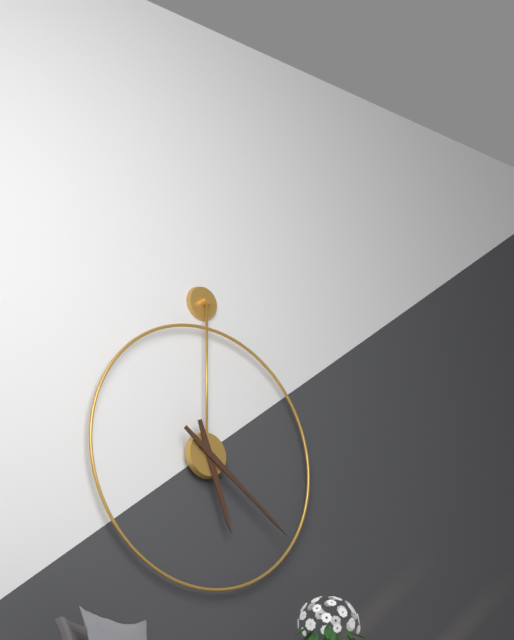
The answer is **5:21**
